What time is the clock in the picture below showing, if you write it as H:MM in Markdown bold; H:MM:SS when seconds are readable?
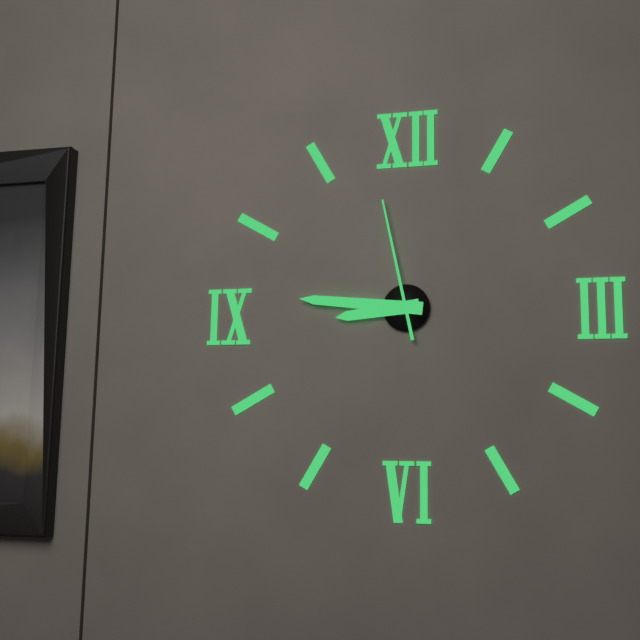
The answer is **8:46:58**
